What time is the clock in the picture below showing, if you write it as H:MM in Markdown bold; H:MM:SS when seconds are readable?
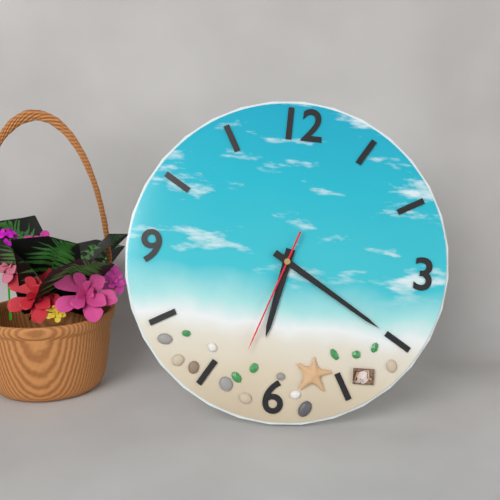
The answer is **6:20:33**
